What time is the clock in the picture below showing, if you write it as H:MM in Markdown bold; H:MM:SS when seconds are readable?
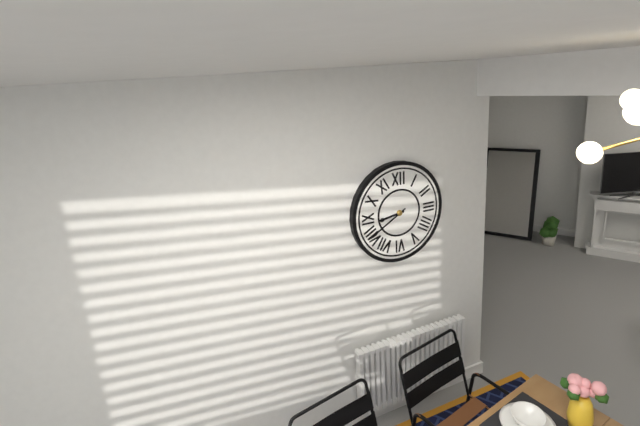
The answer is **8:40**
